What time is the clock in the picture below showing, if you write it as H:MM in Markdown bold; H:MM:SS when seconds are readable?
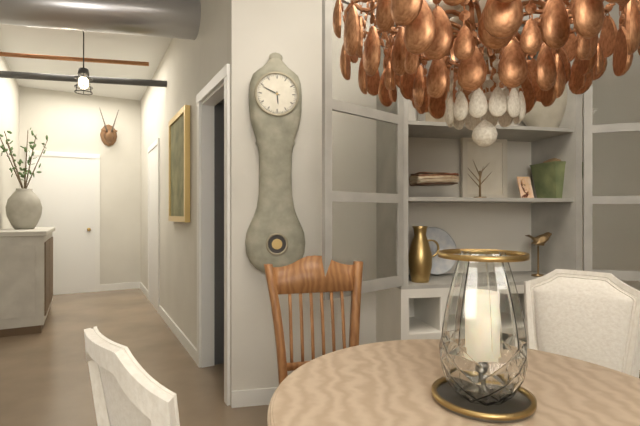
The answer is **5:49**
